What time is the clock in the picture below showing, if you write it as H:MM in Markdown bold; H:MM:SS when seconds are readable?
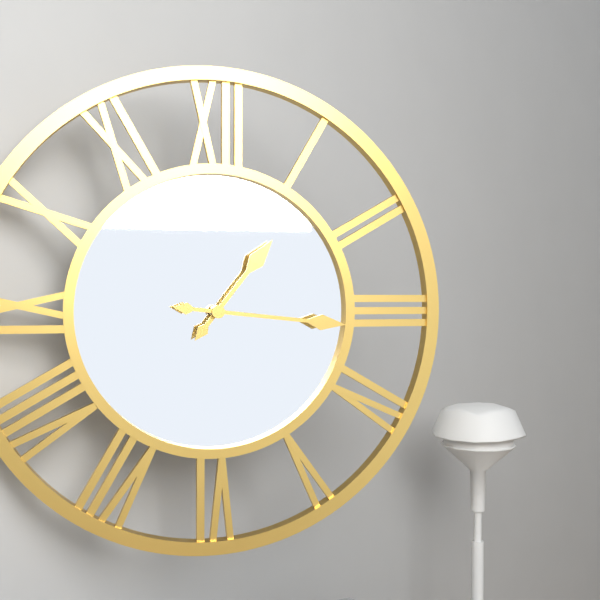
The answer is **1:16**
